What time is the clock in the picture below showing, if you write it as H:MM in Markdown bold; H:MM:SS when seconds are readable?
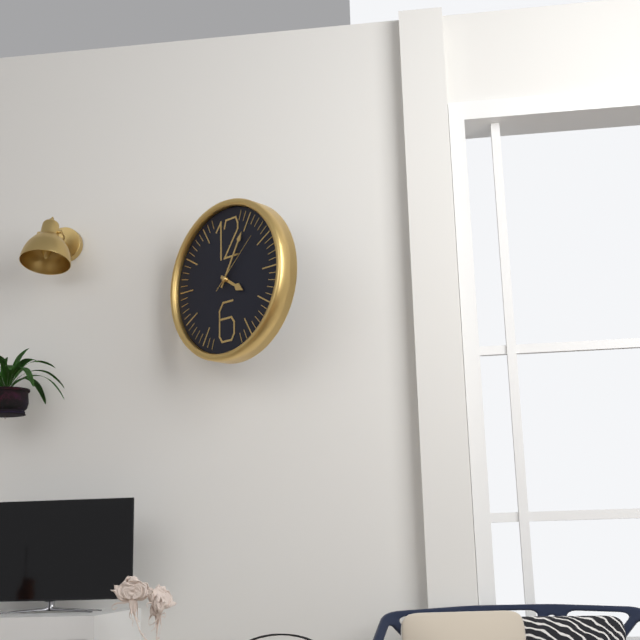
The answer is **4:05:08**
